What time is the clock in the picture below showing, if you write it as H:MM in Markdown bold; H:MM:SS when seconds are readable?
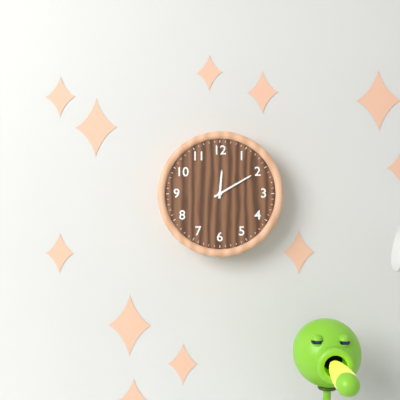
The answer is **12:10**
